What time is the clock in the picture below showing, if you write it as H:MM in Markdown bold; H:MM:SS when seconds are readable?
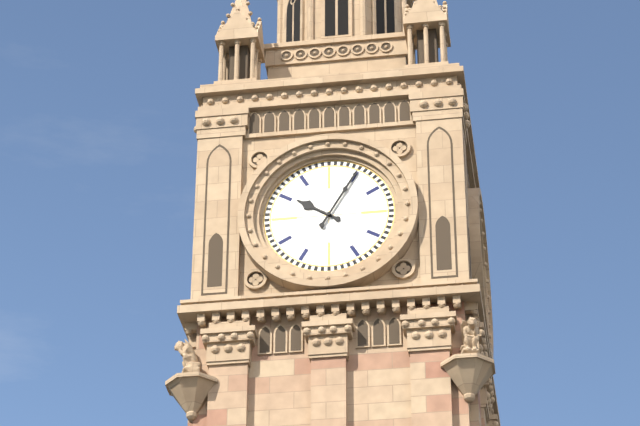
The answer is **10:05**
